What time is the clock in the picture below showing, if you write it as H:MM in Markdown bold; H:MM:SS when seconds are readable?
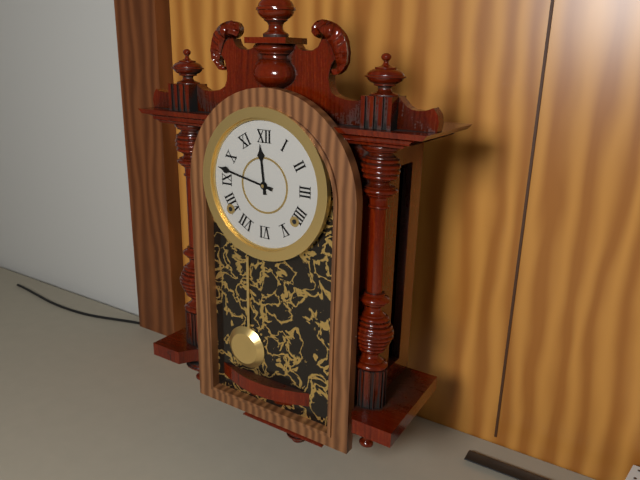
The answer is **11:47**
